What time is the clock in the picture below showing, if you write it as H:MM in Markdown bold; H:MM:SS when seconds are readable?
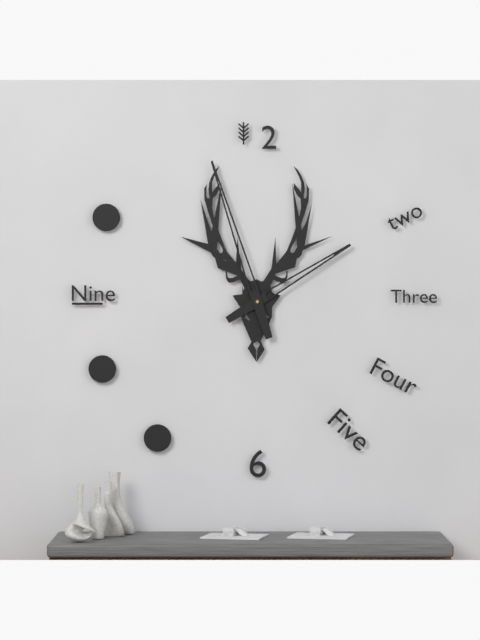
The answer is **1:57**
